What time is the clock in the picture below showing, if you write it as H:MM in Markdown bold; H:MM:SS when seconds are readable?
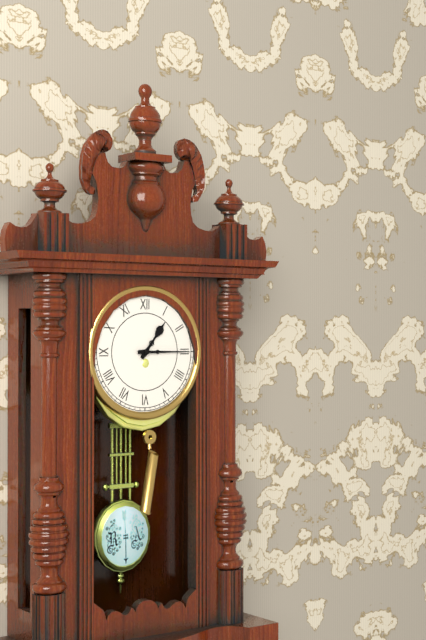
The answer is **1:15**
